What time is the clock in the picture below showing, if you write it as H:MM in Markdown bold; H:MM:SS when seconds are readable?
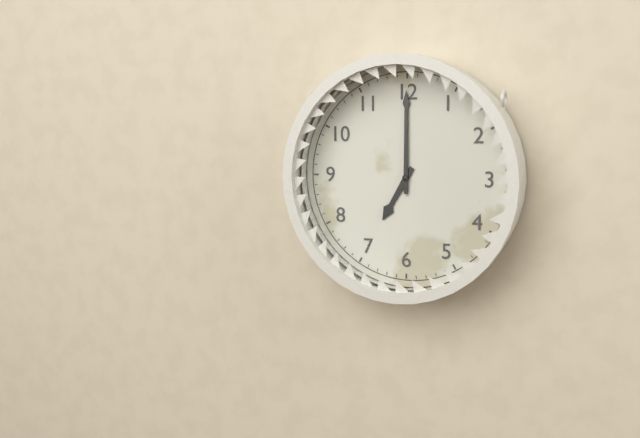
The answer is **7:00**
